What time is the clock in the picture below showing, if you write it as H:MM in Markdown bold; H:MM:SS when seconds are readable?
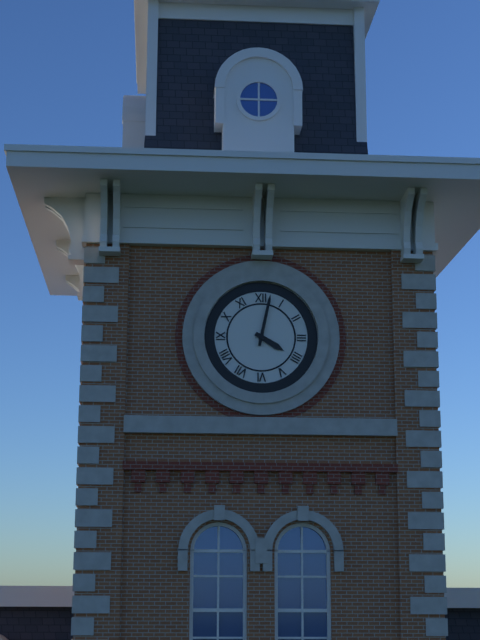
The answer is **4:02**
